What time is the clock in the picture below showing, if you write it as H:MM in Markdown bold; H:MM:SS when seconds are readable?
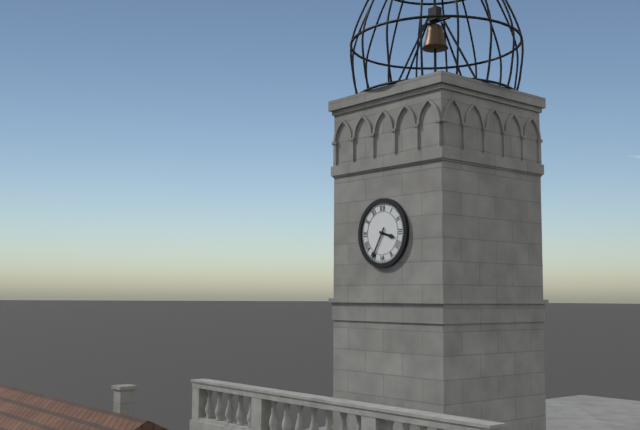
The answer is **3:35**
